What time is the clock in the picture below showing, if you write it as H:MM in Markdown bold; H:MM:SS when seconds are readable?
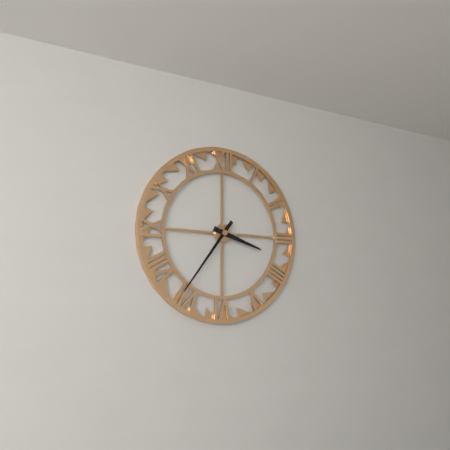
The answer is **3:36**
